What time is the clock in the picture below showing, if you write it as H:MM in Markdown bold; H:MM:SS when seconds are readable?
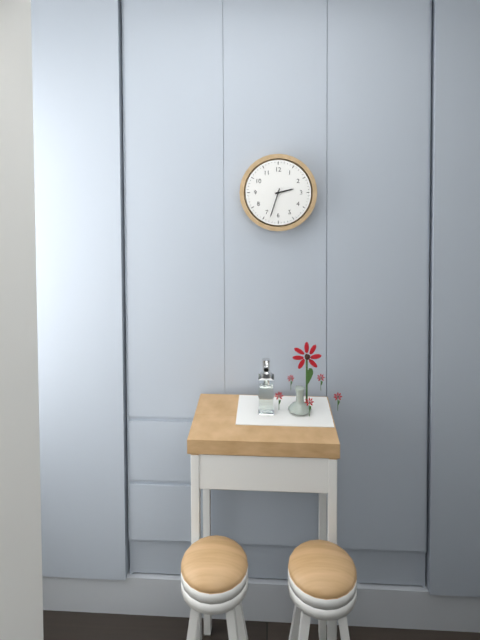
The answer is **2:33**
